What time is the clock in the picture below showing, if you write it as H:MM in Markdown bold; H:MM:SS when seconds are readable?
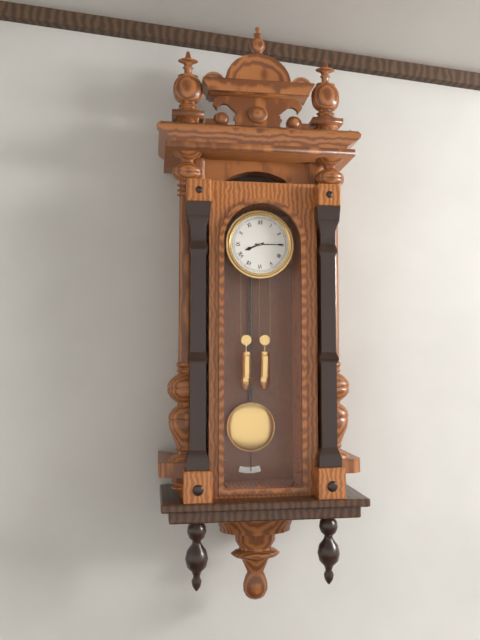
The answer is **8:15**
